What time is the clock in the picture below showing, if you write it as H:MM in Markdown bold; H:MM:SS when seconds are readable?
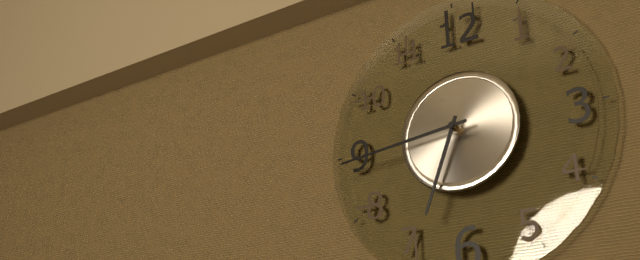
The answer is **6:44**
